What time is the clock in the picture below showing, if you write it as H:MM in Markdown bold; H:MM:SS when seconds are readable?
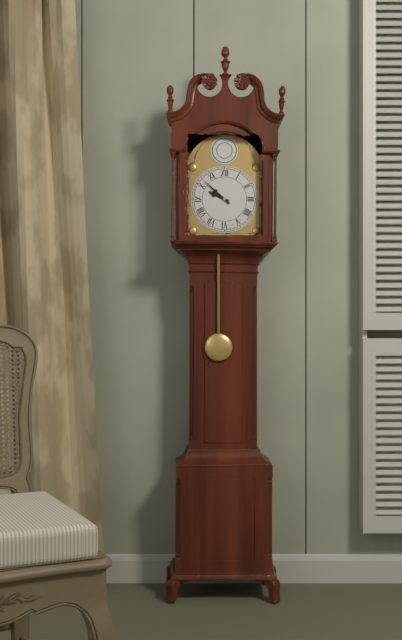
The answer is **9:52**
